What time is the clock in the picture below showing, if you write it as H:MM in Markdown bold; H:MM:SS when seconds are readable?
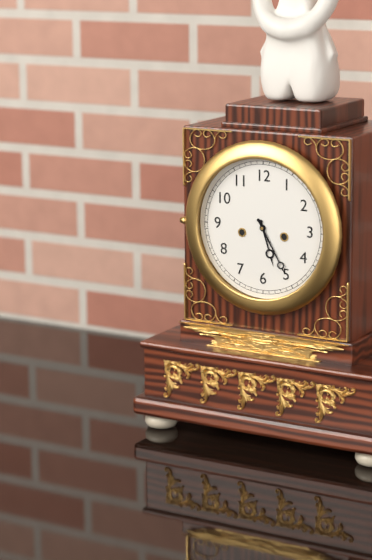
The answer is **5:25**
